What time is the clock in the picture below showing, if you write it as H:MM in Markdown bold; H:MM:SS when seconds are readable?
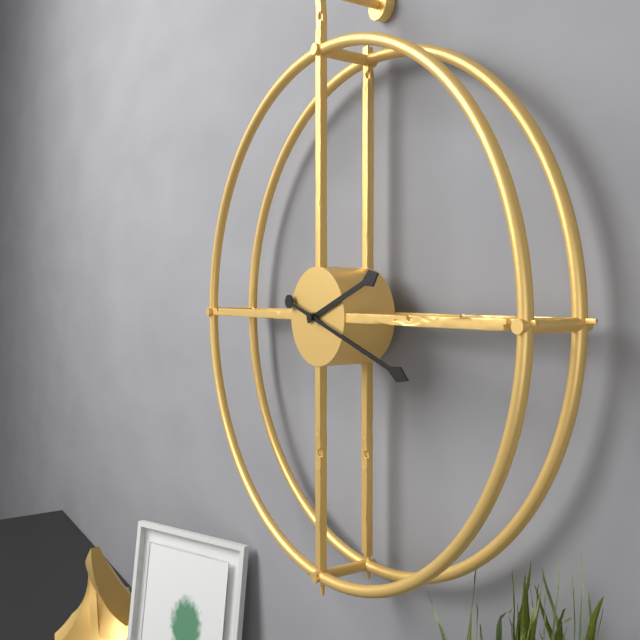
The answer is **2:18**
